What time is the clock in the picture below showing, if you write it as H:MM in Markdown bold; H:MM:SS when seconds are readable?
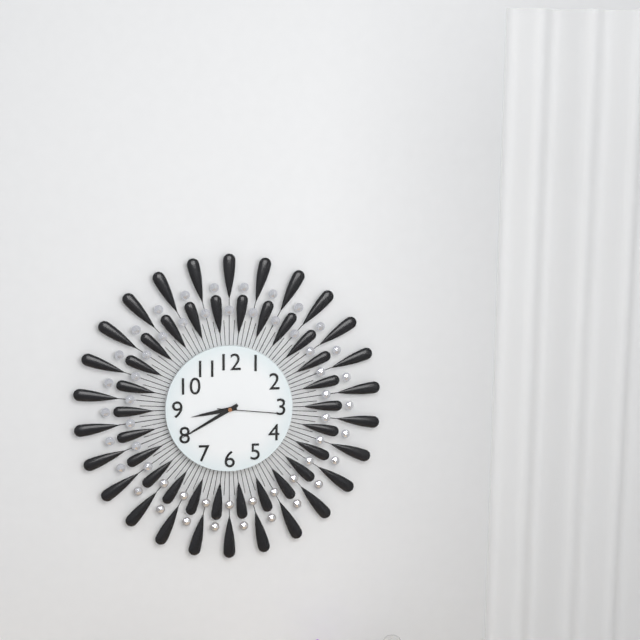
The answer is **8:40:16**
